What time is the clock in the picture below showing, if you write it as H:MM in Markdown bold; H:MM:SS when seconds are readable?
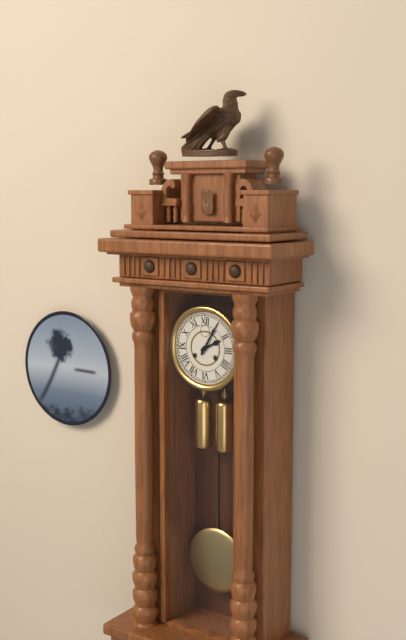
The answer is **2:05**
